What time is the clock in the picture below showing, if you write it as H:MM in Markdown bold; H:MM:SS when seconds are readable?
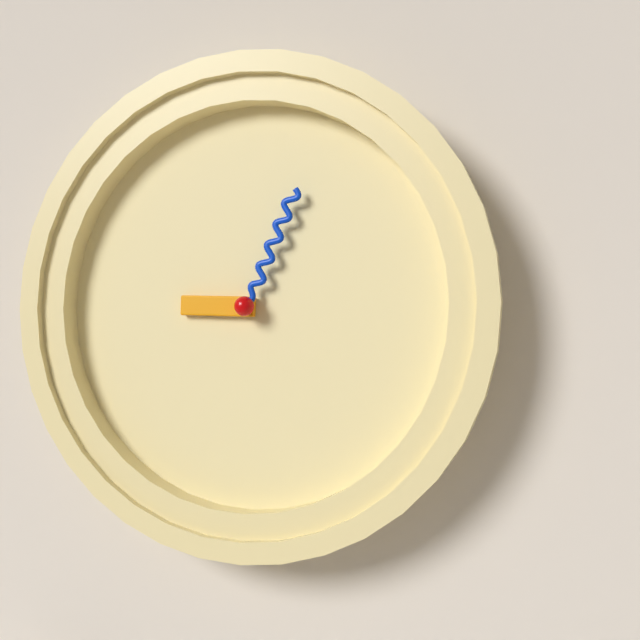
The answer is **9:04**
